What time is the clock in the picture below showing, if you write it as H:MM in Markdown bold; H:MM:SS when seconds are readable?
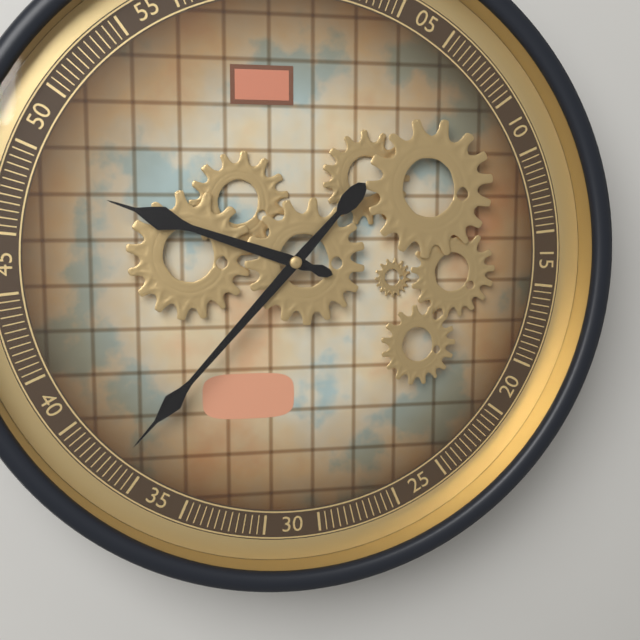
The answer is **9:37**
